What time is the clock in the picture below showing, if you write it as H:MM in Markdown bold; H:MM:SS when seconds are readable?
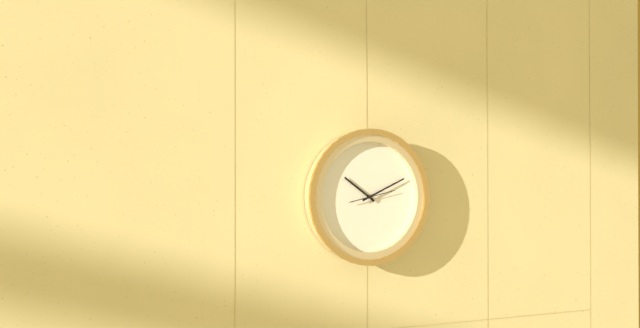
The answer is **10:11**
